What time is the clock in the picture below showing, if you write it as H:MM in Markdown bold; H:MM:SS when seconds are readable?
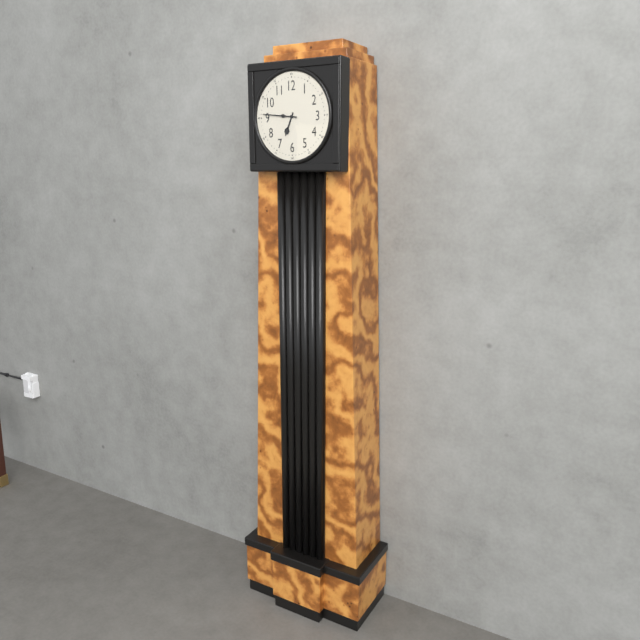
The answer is **6:46**
